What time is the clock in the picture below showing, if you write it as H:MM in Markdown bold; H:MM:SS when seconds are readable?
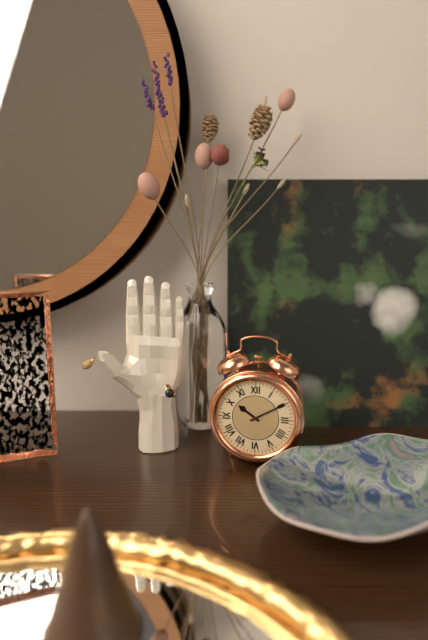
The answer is **10:10**
